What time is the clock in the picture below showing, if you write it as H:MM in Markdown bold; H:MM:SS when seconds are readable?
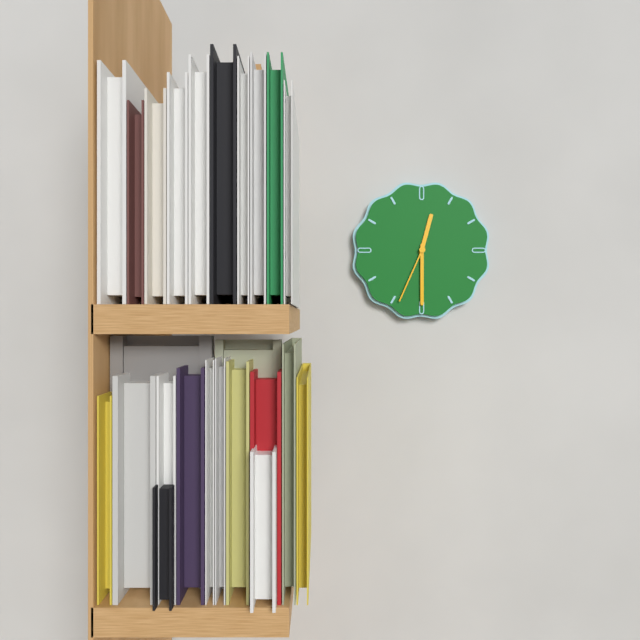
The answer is **12:30:34**
